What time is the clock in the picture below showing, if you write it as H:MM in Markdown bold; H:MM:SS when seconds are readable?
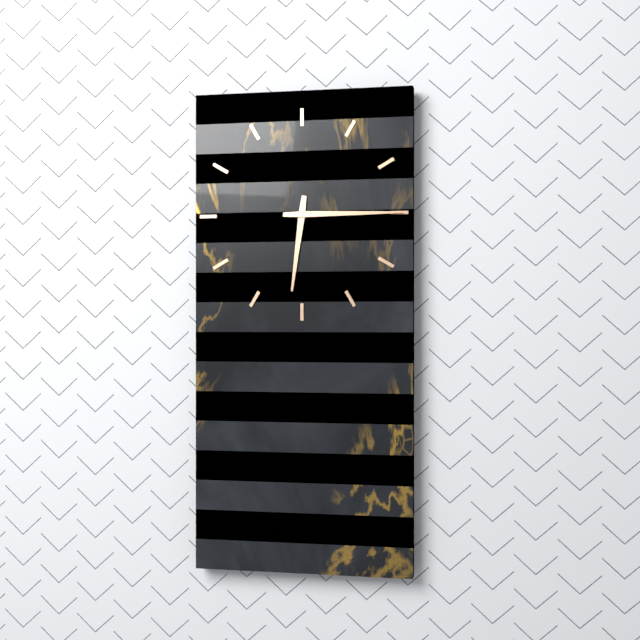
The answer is **6:15**
